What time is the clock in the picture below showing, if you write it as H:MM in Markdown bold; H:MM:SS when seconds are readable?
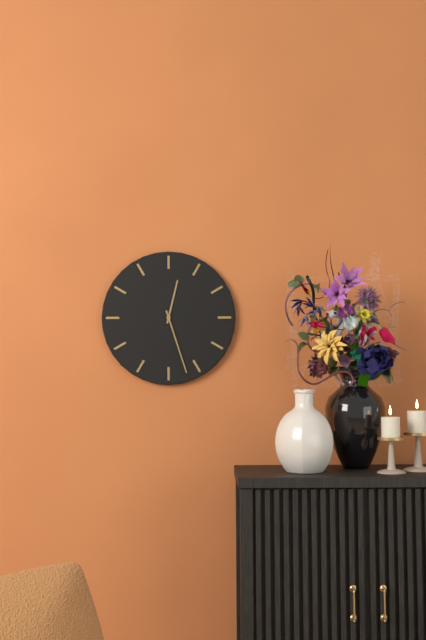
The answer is **12:27**
